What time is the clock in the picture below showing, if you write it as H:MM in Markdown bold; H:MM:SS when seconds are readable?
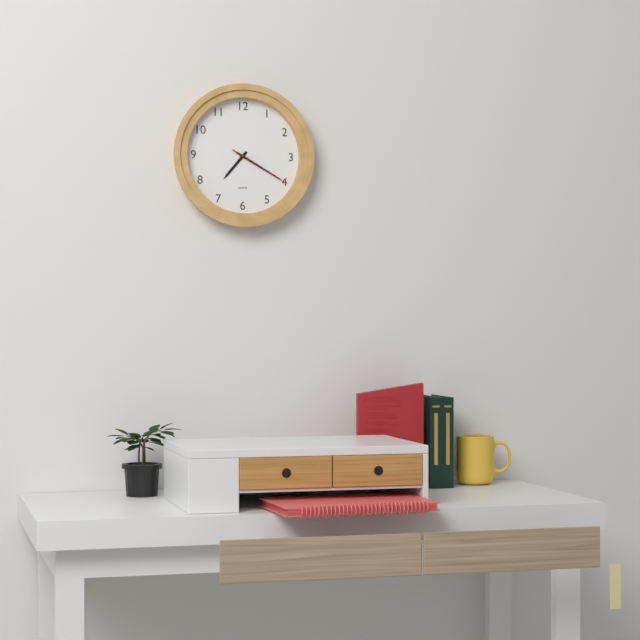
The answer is **7:20:20**
